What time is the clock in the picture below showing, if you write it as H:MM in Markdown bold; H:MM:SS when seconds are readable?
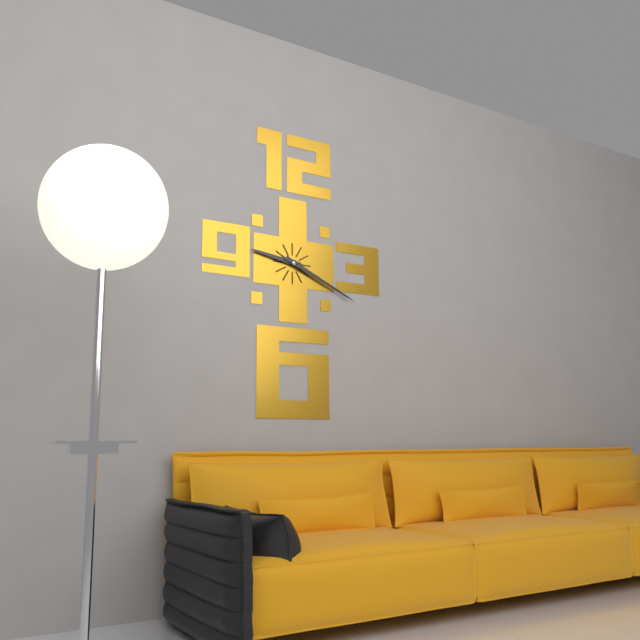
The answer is **9:19**
